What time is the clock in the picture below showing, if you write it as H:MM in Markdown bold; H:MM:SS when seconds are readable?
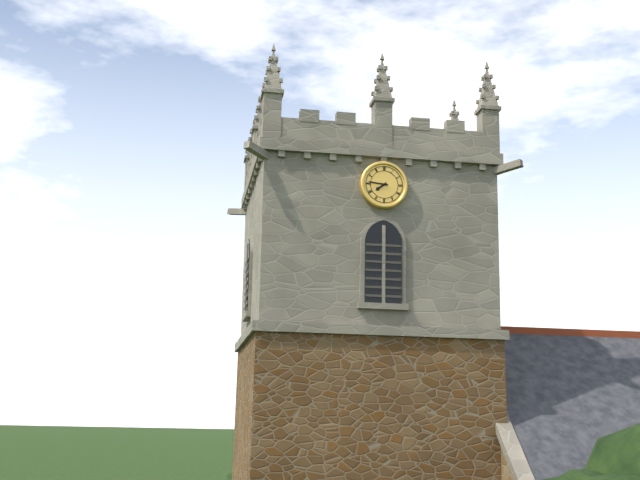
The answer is **7:46**
